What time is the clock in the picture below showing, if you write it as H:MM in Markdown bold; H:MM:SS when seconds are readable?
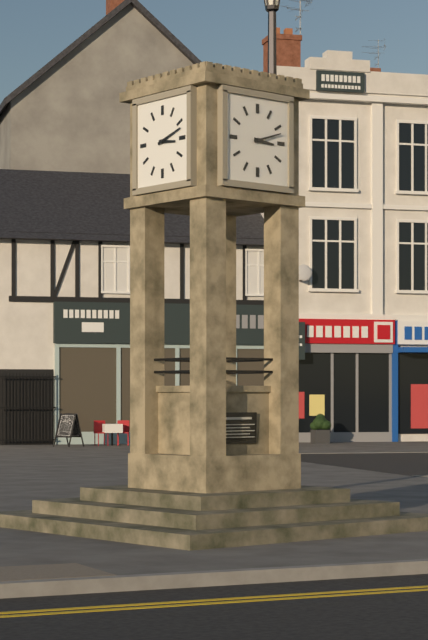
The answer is **3:12**
